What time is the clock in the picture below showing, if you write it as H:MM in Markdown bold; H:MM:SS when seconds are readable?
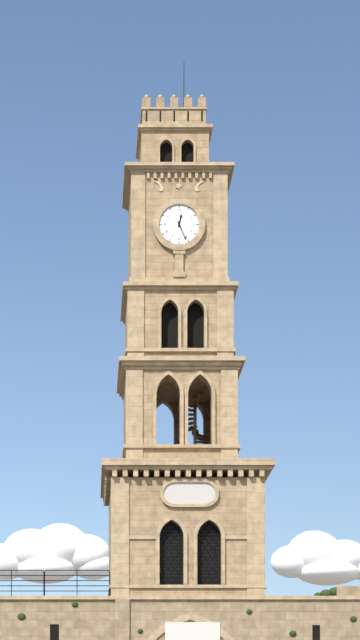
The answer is **12:26**
